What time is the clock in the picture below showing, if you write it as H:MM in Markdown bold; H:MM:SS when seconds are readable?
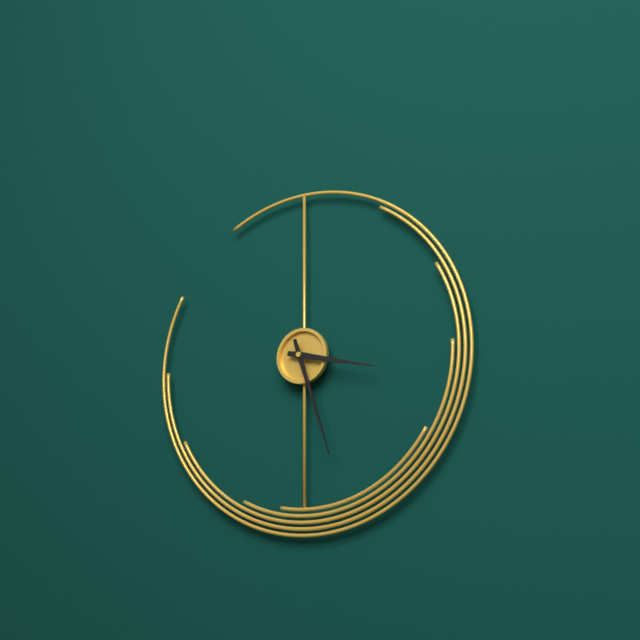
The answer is **3:27**
